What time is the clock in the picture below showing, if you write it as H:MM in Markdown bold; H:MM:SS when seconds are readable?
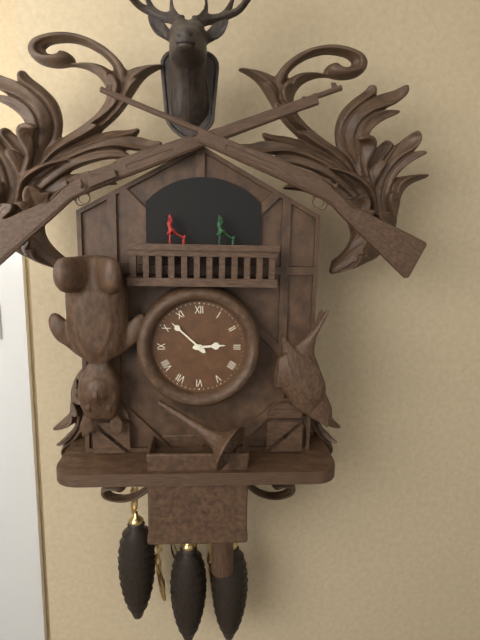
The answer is **2:52**
